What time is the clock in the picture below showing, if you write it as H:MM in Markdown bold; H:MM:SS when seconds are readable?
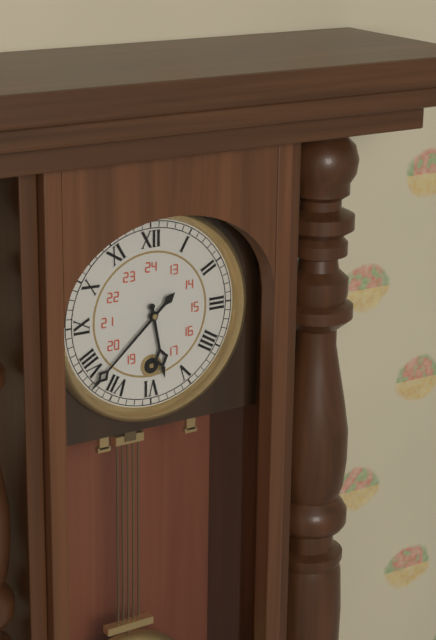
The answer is **5:38**
